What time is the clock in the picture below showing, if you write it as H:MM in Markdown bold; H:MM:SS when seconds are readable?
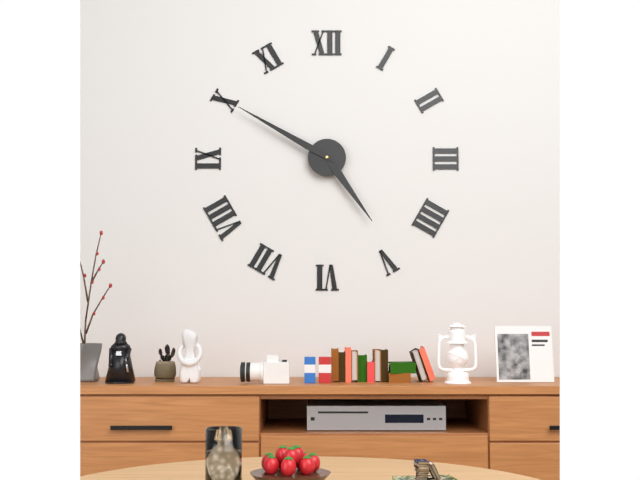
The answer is **4:50**
